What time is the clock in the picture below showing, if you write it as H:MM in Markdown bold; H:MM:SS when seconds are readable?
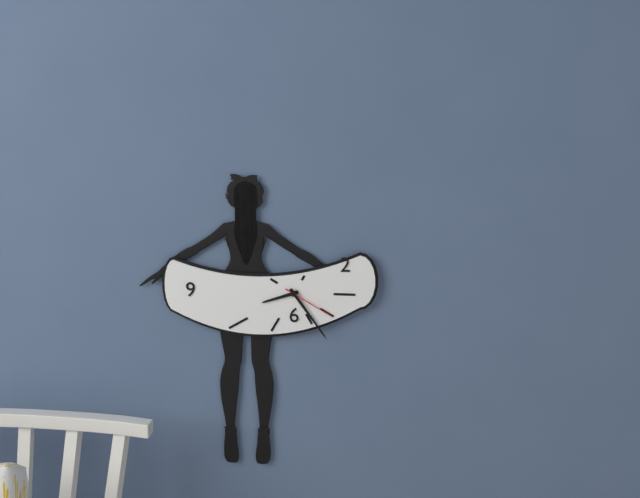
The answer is **8:24:20**
